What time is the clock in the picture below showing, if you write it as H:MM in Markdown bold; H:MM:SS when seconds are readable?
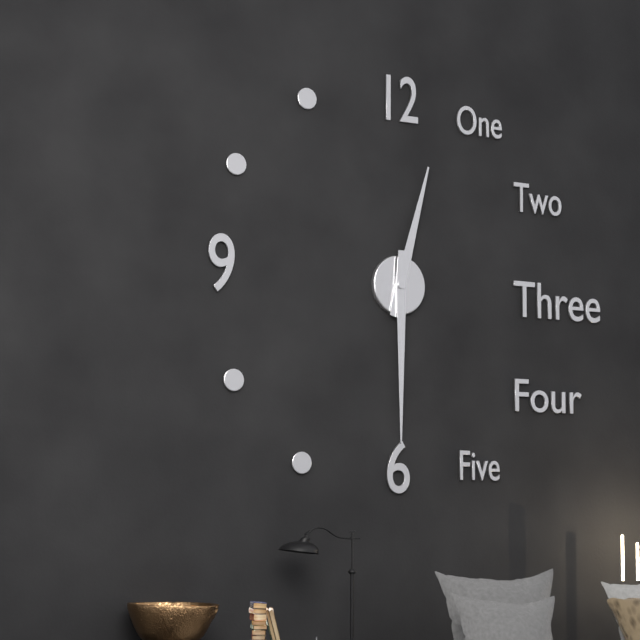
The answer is **12:30**
